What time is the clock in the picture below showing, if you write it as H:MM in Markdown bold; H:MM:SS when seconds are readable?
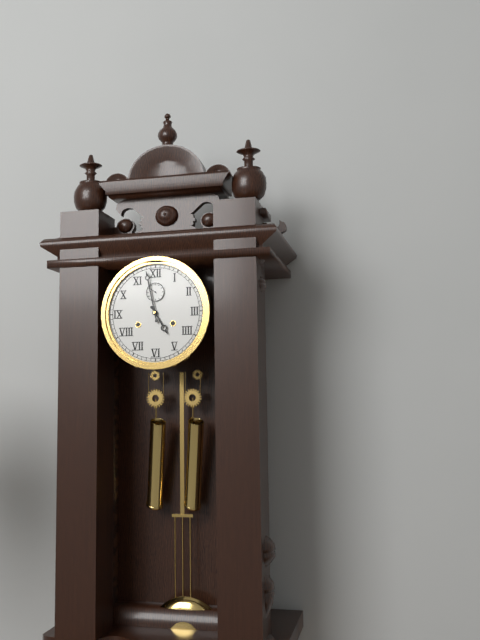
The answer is **4:58**
